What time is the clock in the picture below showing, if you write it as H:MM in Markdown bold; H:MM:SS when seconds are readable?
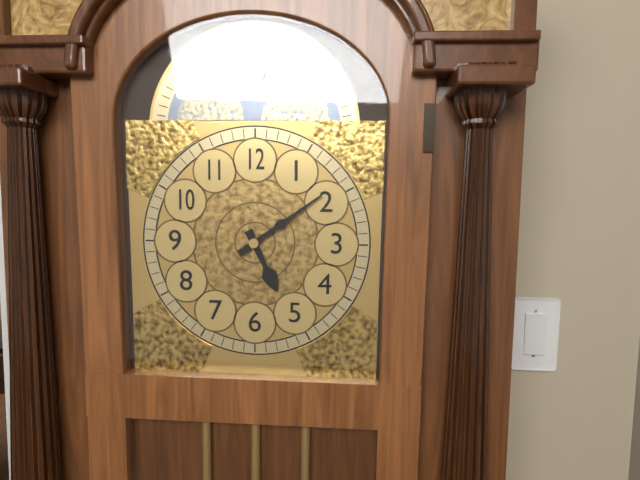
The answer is **5:09**
